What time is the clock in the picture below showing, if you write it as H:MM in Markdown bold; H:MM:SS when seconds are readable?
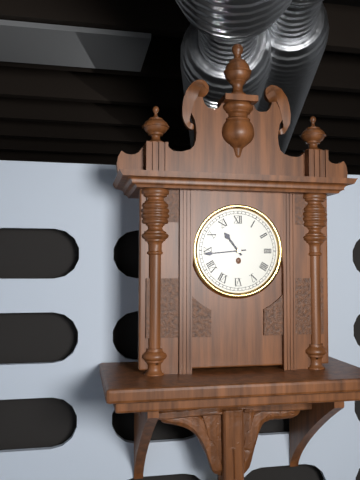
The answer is **10:44**
